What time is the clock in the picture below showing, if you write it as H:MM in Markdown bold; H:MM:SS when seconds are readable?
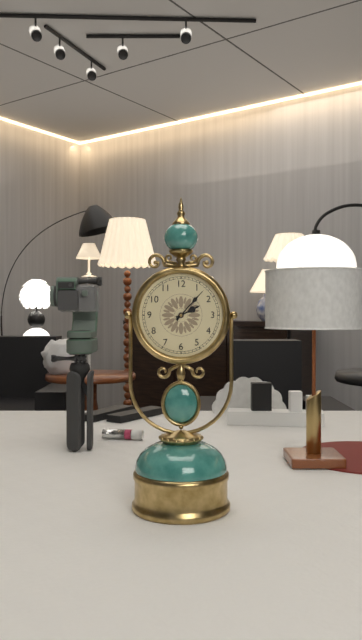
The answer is **2:07**
